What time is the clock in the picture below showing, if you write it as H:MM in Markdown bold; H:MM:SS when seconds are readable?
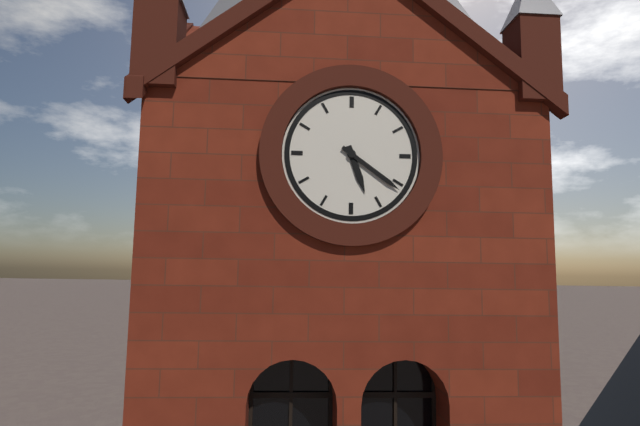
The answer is **5:21**
